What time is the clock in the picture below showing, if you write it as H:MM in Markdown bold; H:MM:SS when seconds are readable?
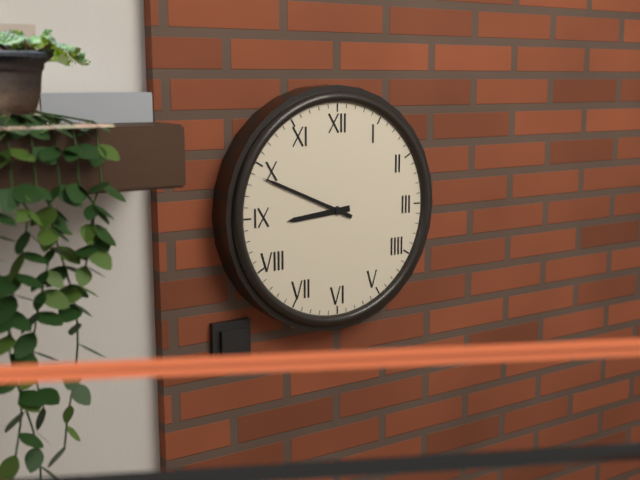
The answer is **8:49**
